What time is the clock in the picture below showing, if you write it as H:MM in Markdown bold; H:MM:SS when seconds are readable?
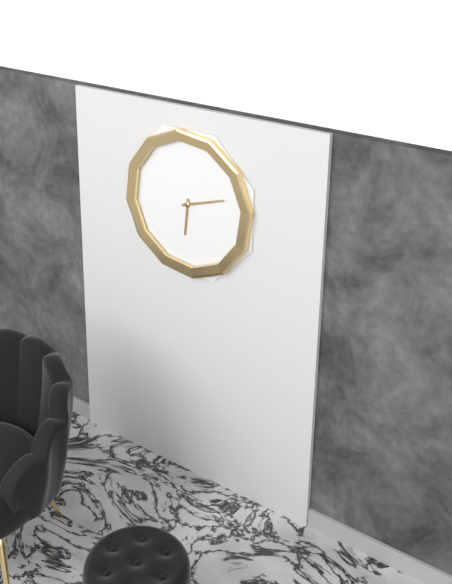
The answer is **6:12**
